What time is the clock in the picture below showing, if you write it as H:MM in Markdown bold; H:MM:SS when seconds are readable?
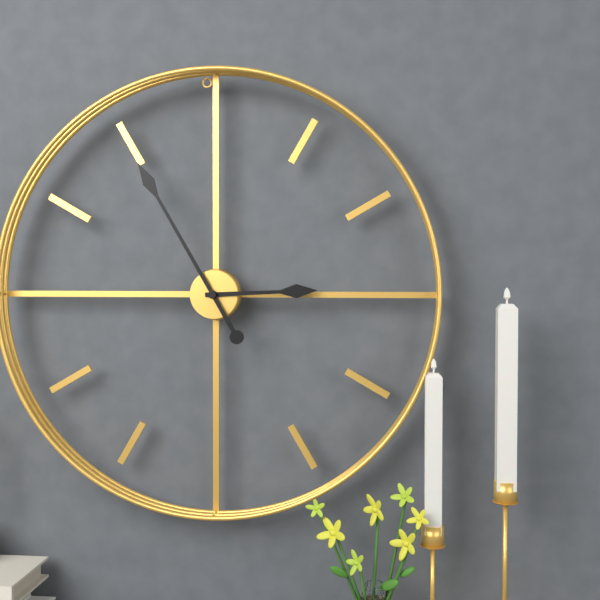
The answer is **2:55**
